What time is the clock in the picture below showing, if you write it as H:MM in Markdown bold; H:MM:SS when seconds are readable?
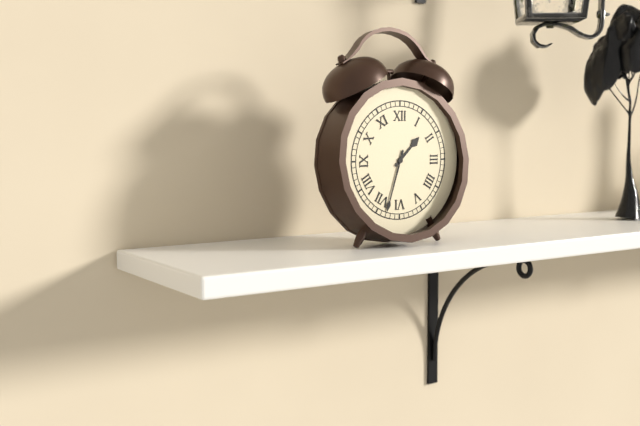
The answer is **1:33**
